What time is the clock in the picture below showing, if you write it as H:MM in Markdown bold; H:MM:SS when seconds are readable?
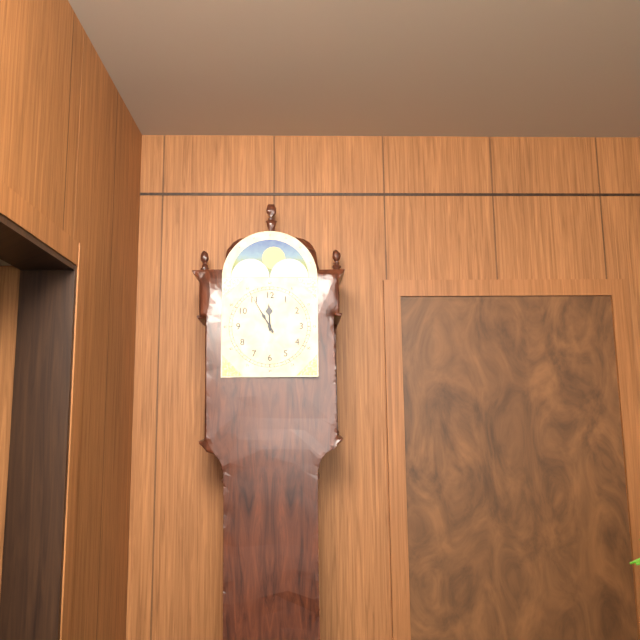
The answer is **11:55**
